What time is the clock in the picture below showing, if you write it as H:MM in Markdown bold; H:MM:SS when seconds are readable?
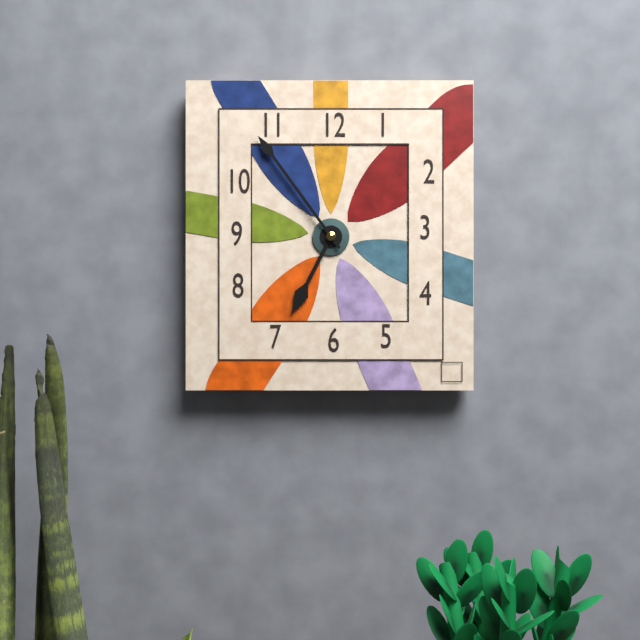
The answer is **6:54**
